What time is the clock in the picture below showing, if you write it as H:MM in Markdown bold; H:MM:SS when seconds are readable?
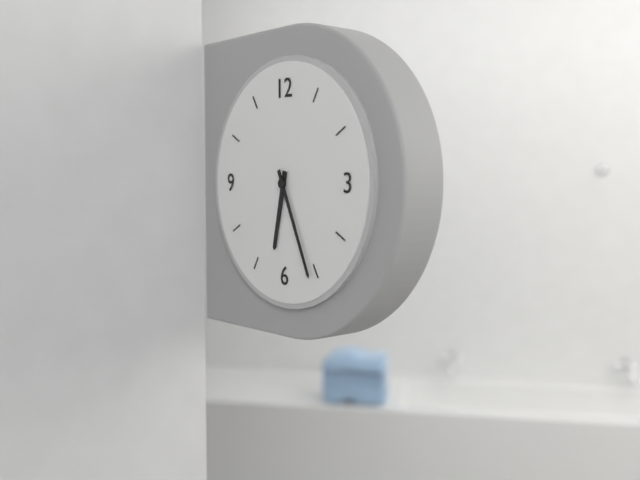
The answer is **6:26**
